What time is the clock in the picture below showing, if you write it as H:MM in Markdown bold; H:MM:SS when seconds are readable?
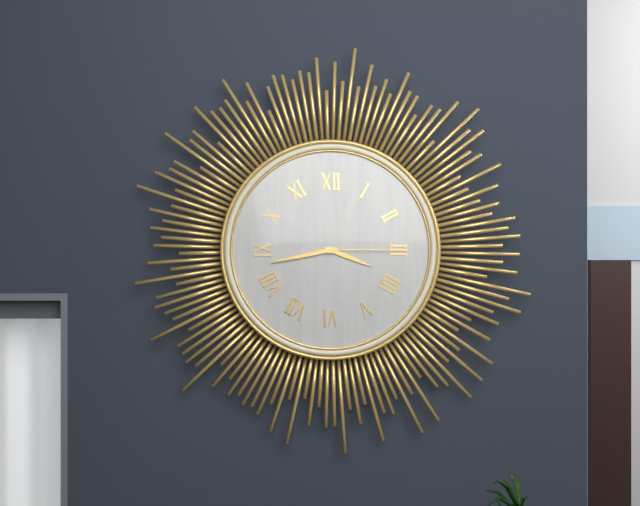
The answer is **3:43:15**
